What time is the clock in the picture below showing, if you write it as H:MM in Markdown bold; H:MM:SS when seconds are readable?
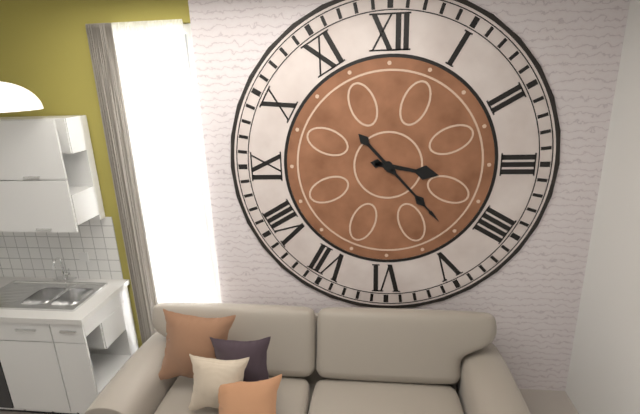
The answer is **3:23**
